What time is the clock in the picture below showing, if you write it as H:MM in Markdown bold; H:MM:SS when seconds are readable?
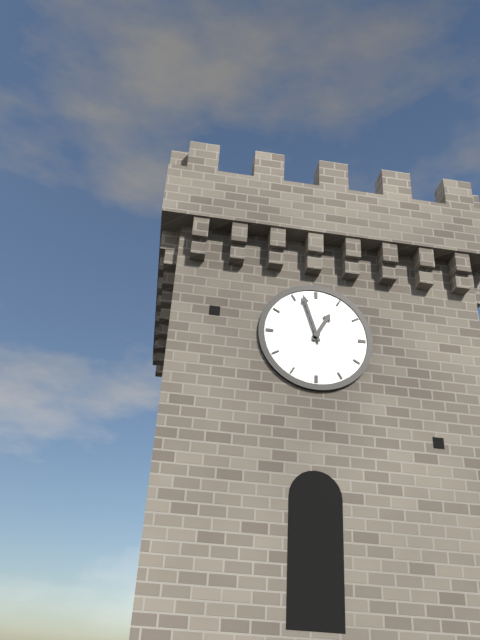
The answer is **12:57**
